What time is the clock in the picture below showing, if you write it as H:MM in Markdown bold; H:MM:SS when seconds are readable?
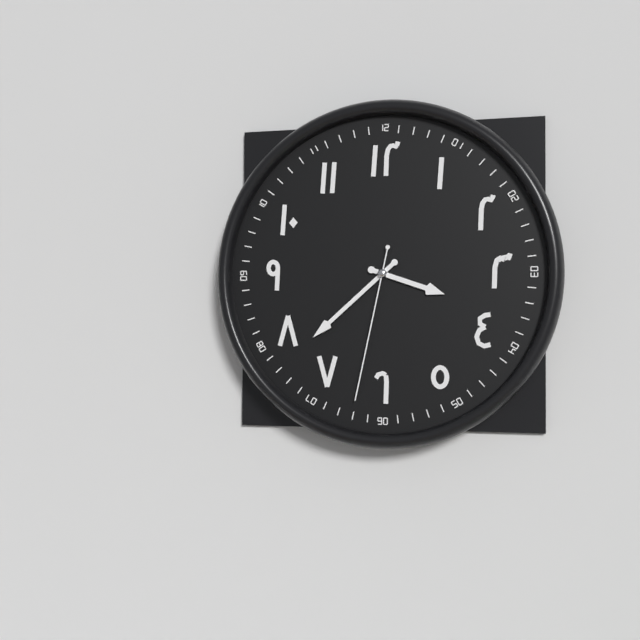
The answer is **3:38:32**
